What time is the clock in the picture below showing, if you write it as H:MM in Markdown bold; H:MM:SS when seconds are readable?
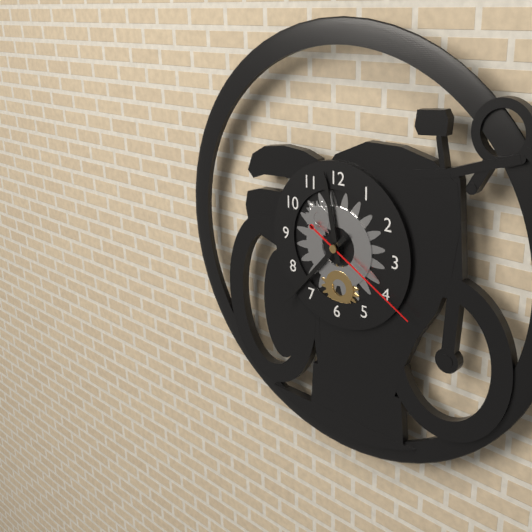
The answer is **11:37:20**
